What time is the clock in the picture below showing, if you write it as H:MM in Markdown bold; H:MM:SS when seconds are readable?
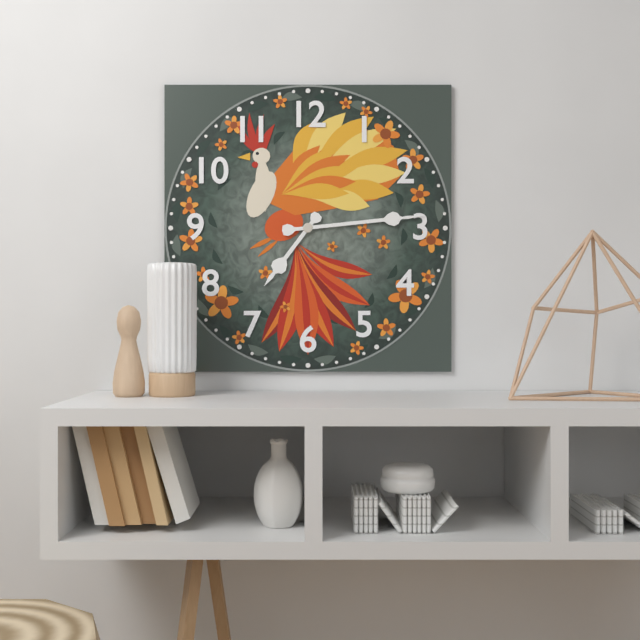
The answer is **7:14**
